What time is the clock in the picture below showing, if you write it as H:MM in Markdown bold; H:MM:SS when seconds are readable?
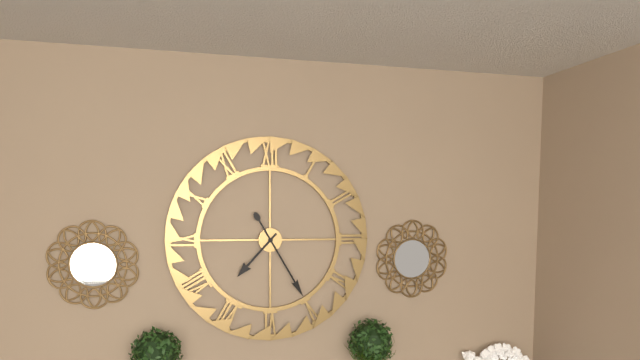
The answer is **7:25**
